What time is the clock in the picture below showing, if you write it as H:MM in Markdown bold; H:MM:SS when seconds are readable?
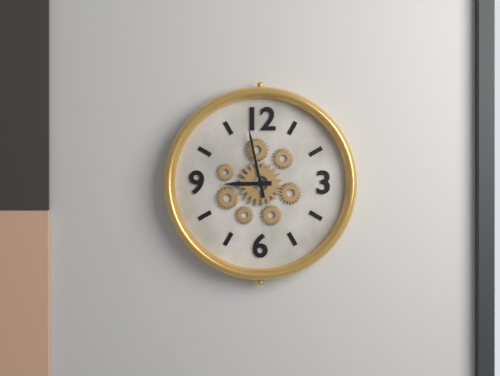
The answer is **8:58**
